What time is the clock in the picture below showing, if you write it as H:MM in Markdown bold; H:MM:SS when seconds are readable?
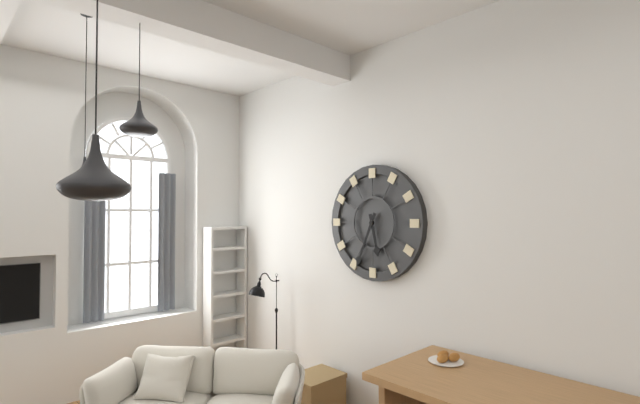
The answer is **5:34**
